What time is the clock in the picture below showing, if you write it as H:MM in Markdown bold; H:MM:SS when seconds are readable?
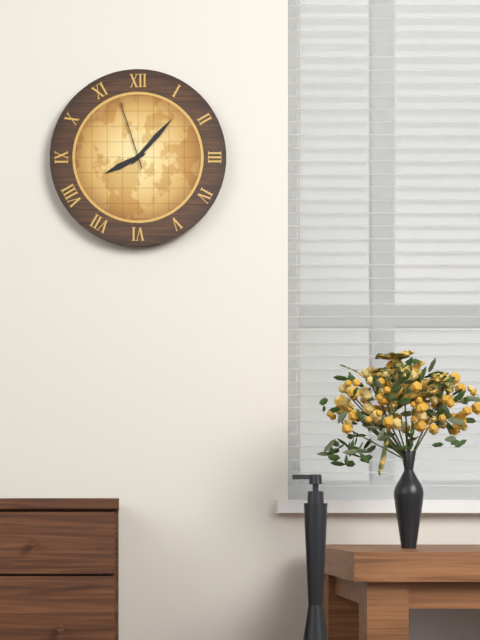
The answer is **8:07:57**
